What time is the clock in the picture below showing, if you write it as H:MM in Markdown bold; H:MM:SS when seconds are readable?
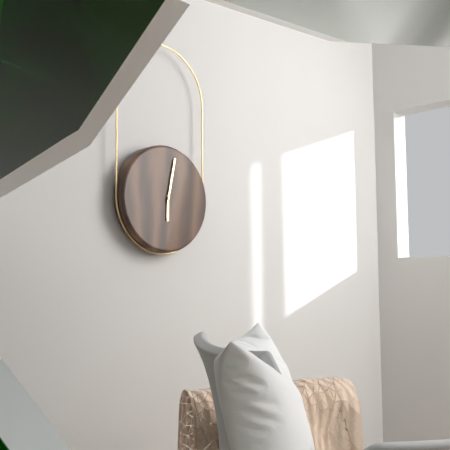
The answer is **6:02**
